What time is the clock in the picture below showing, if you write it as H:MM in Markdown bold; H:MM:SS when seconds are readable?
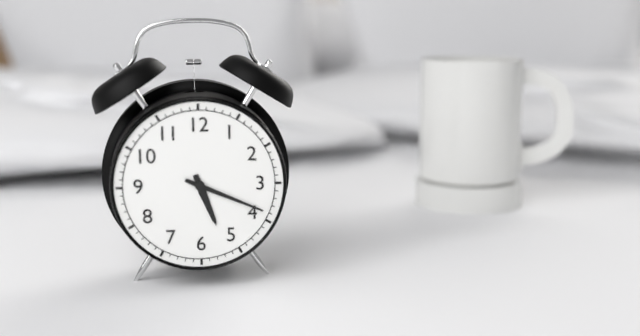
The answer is **5:19**
